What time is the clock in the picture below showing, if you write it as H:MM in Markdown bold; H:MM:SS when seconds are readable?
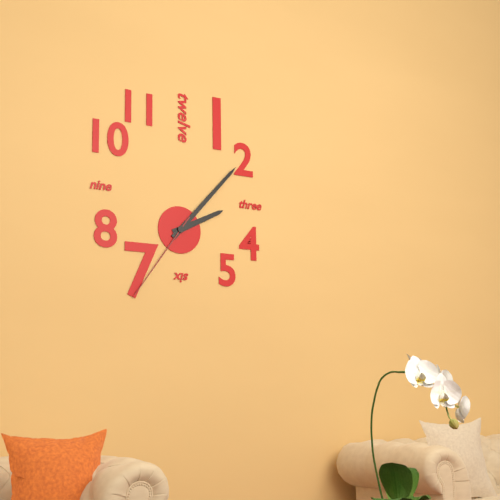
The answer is **2:07:36**
